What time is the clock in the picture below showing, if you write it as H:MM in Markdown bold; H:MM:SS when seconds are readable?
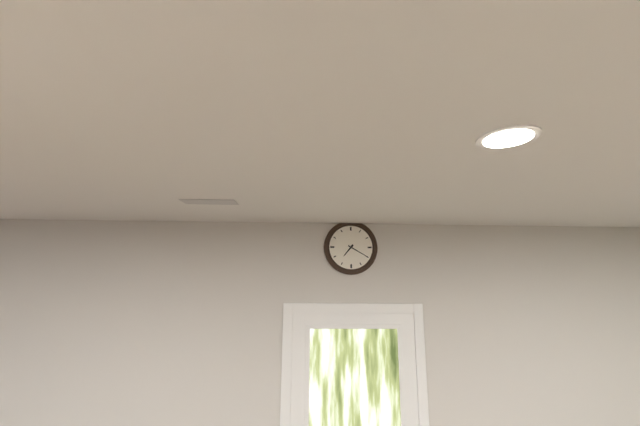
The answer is **7:20**
